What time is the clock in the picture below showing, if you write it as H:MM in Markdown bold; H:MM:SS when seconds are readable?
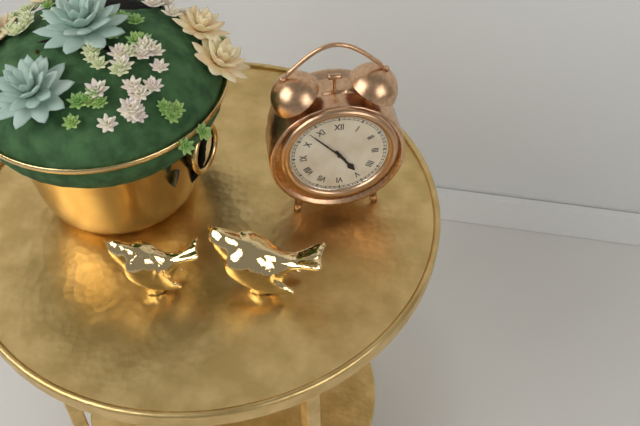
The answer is **4:53**
